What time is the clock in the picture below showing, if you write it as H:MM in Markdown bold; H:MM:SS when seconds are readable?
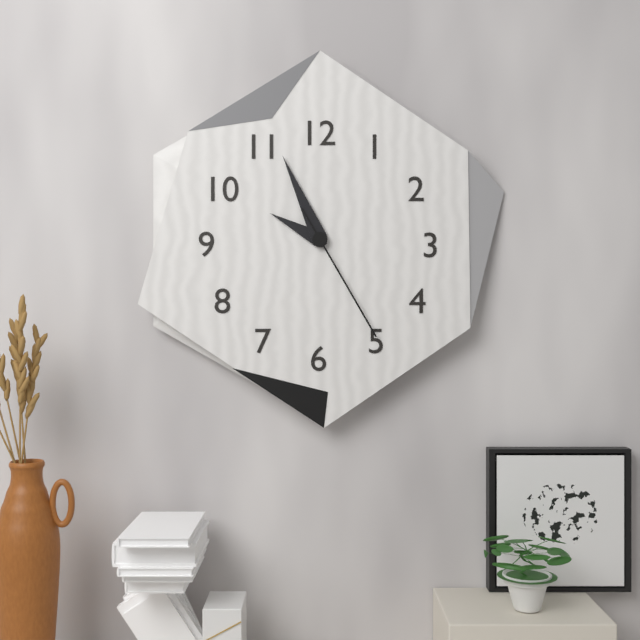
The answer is **9:56:25**
